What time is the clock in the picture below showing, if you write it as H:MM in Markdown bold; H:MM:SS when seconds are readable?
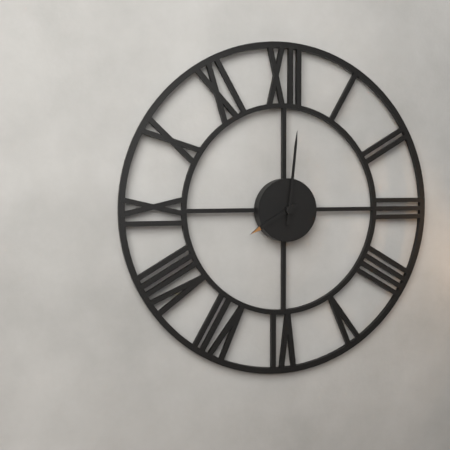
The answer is **8:01**
